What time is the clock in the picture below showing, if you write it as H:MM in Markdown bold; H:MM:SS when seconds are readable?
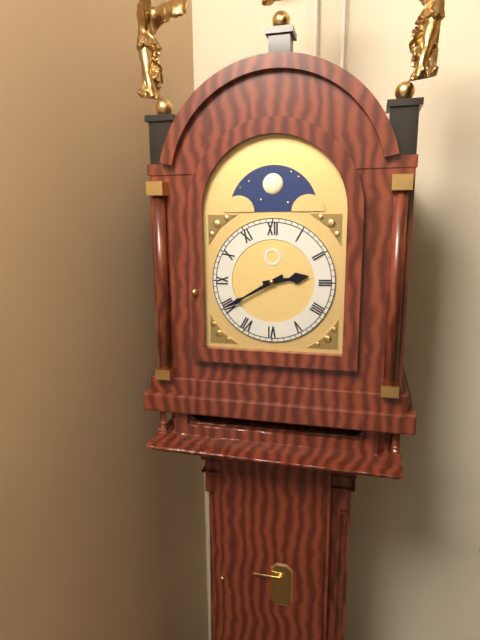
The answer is **2:40**
